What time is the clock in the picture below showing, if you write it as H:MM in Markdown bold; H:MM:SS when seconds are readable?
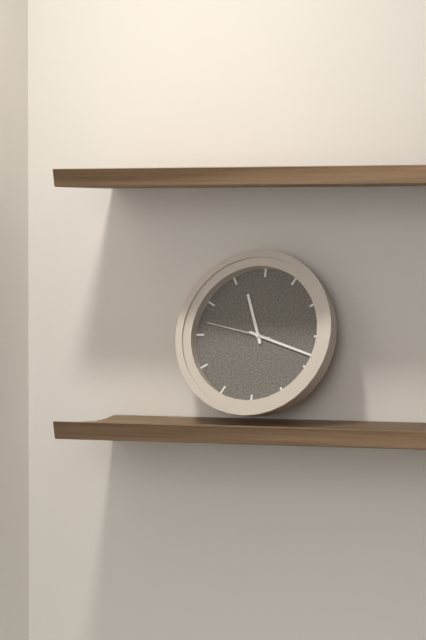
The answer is **11:18:47**
